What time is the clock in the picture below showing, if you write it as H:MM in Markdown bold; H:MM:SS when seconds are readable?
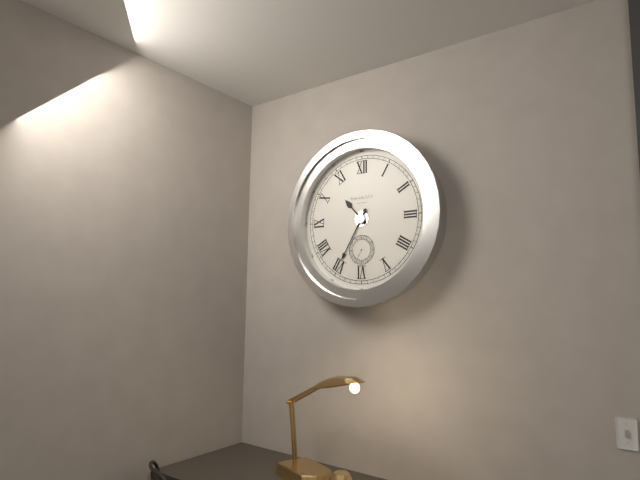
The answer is **10:35**
